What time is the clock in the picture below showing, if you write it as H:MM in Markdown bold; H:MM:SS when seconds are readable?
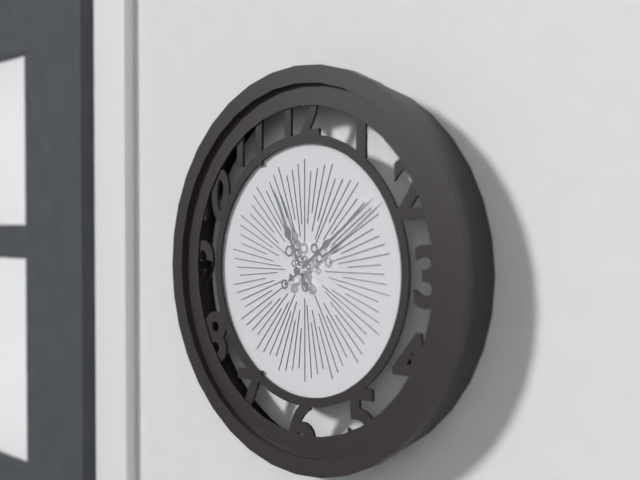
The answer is **11:09**
